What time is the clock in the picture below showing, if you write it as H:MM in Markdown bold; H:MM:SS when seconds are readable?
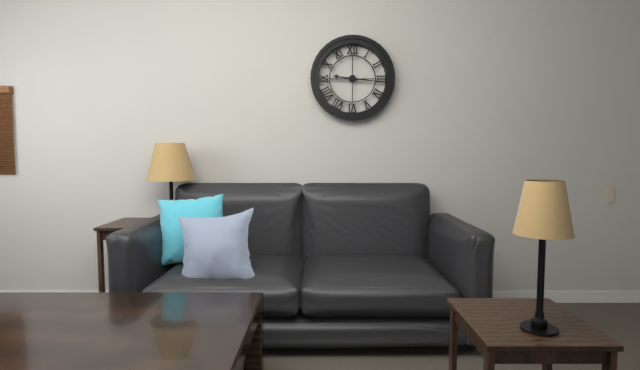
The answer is **9:16**
